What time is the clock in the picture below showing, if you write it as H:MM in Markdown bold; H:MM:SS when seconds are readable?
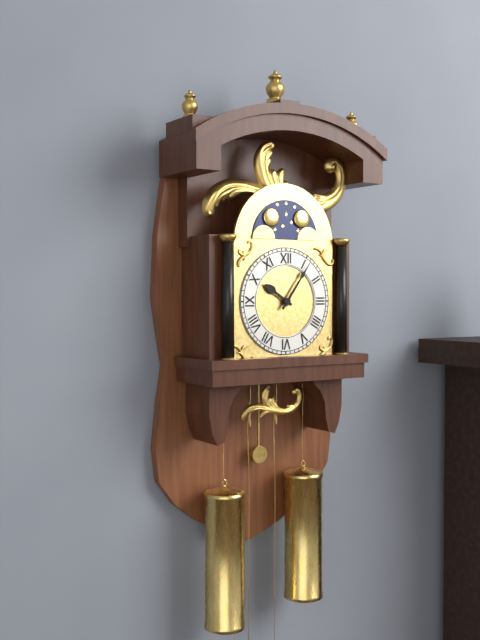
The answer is **10:06**
